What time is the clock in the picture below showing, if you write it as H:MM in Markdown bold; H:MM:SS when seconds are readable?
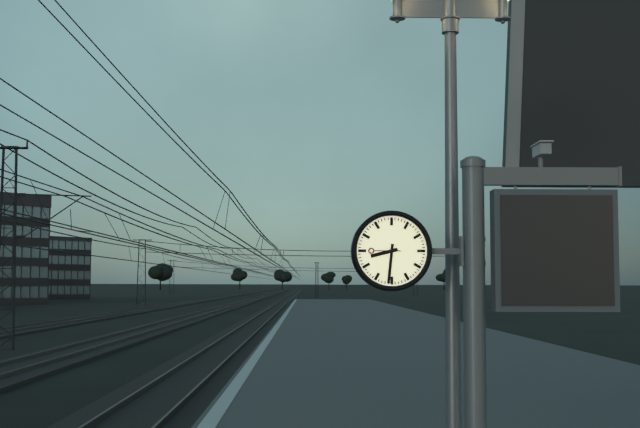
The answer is **8:31**
